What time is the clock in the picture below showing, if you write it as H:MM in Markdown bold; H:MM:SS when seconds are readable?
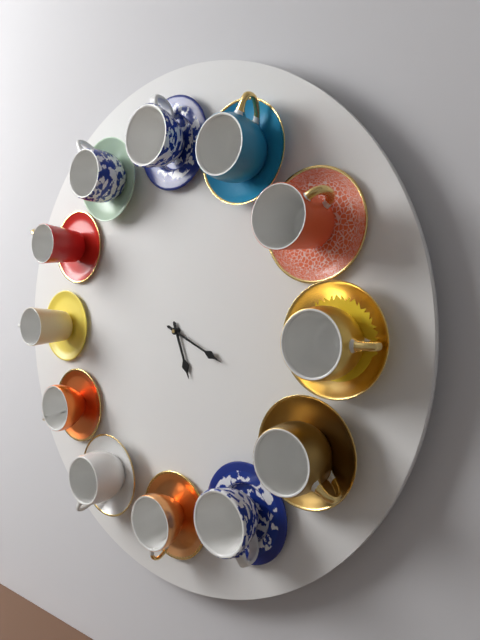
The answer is **5:19**
